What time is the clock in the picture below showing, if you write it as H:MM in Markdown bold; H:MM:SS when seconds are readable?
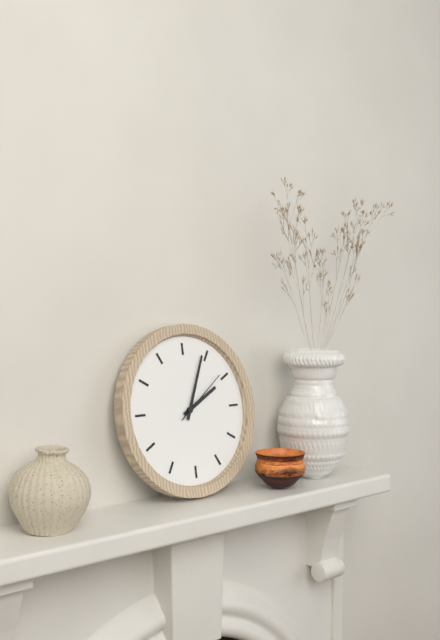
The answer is **2:04:09**
